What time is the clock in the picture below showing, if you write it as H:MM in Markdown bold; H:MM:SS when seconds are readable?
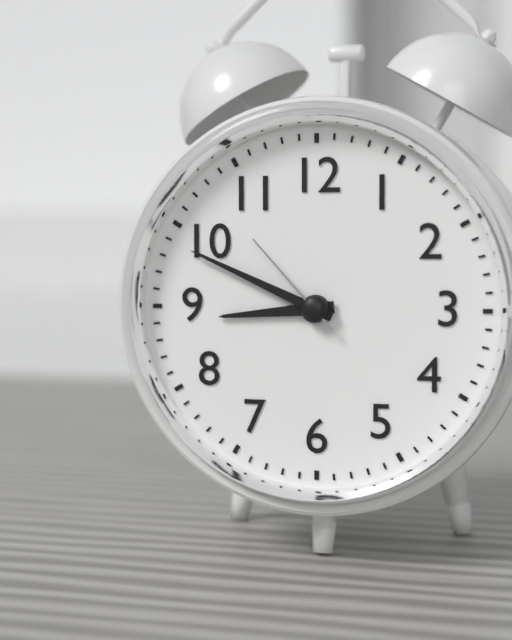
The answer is **8:49:53**
